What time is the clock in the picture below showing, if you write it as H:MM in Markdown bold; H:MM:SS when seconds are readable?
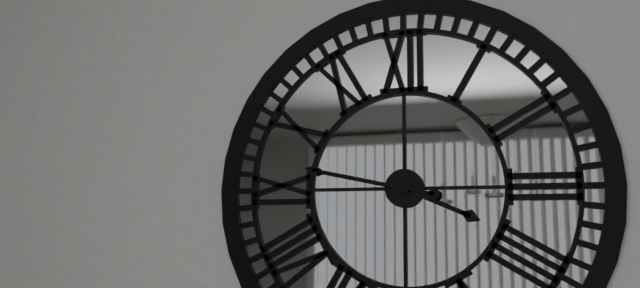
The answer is **3:47**
